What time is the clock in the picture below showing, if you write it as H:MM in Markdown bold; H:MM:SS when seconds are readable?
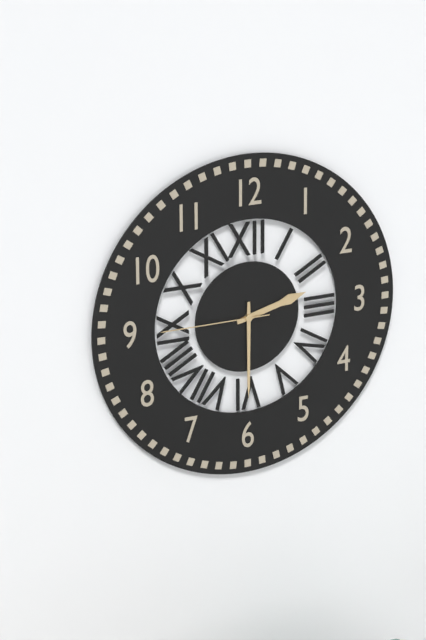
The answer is **2:30:45**
